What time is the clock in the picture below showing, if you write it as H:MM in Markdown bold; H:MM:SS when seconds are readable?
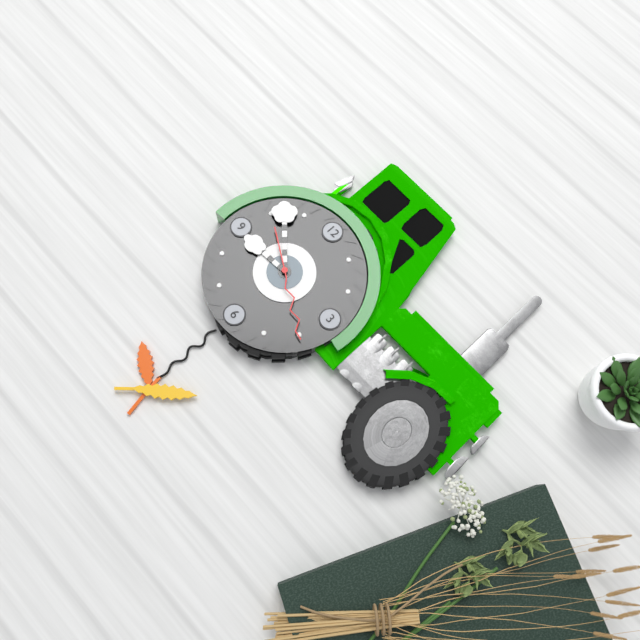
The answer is **8:52:20**
